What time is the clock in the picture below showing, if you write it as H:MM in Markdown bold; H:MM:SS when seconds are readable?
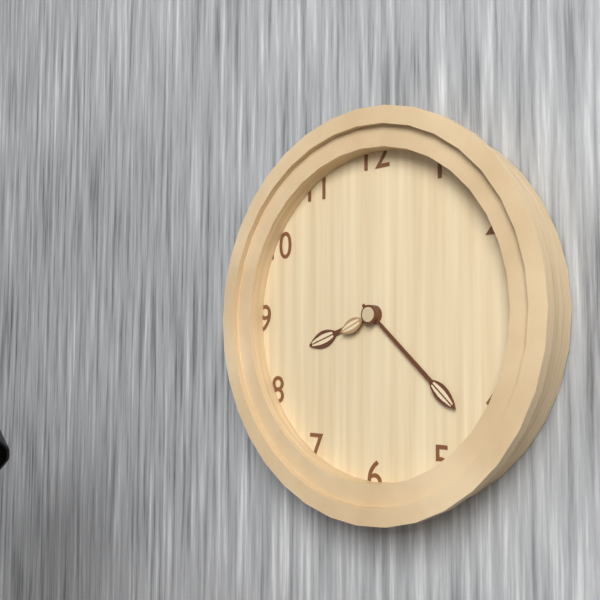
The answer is **8:22**
